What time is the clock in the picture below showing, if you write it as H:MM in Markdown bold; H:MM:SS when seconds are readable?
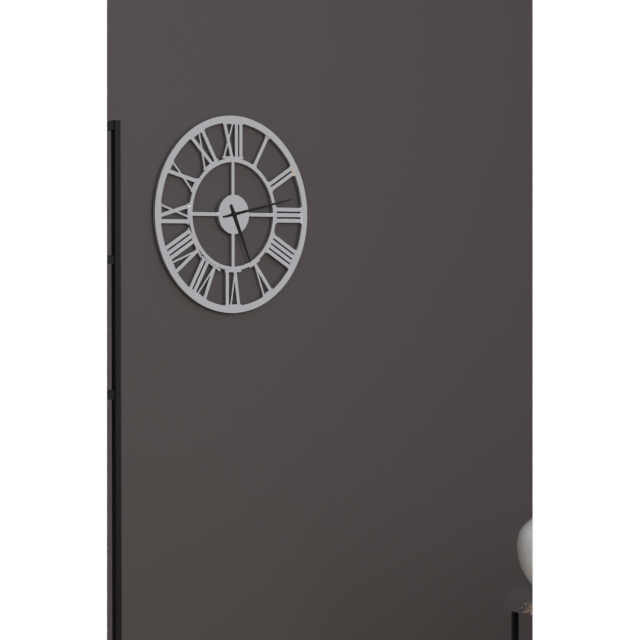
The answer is **5:13**
